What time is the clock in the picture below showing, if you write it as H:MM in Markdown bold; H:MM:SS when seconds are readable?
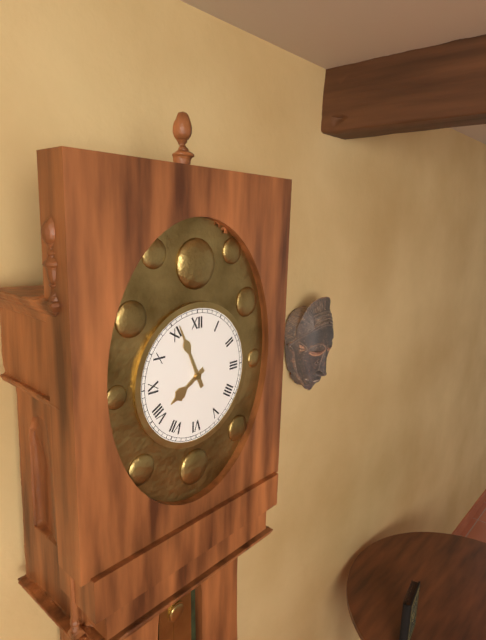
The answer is **7:56**
